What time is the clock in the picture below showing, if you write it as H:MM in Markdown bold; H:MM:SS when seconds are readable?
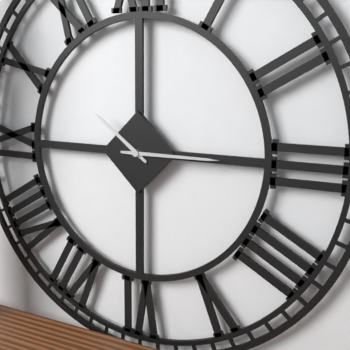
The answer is **10:15**
